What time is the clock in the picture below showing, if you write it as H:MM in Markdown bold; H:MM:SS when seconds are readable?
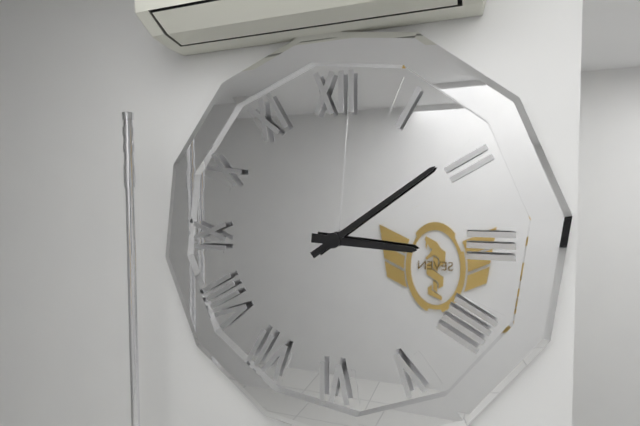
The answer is **3:09**
